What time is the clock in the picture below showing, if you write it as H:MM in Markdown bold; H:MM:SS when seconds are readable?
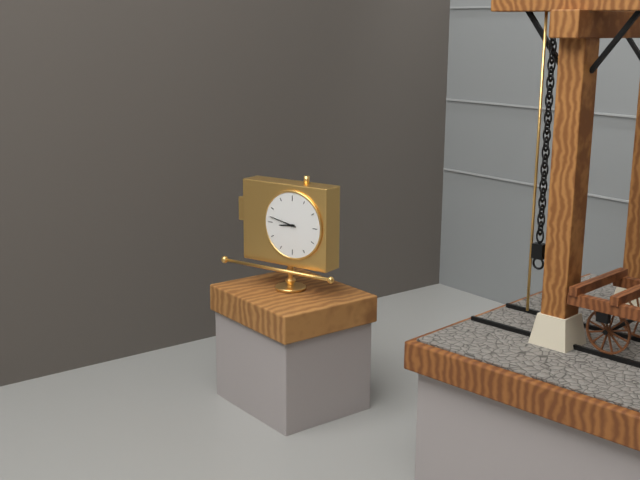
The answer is **8:47**
